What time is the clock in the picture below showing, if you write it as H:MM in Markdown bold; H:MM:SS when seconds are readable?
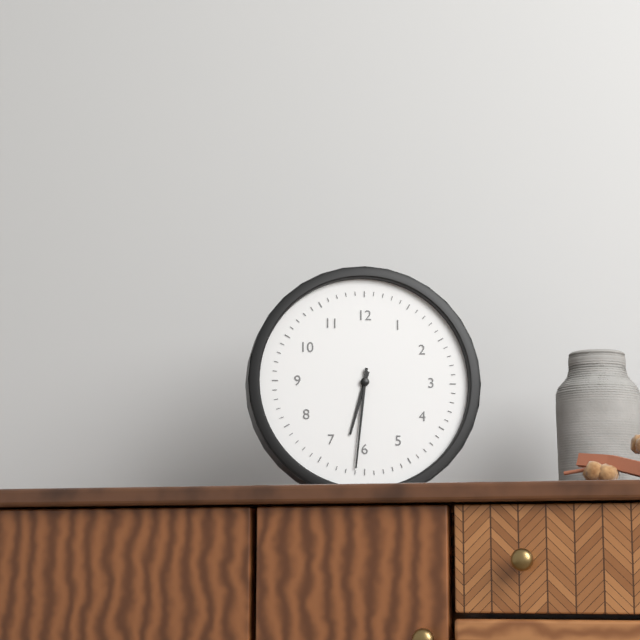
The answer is **6:31**
